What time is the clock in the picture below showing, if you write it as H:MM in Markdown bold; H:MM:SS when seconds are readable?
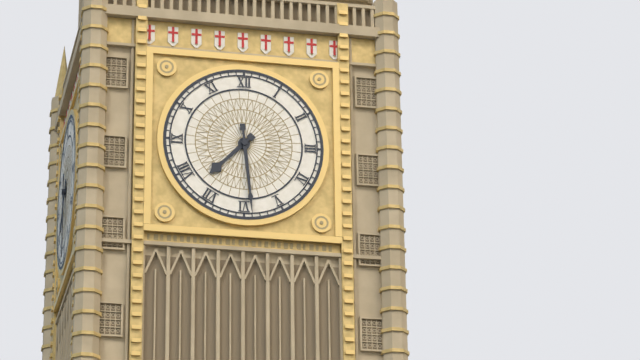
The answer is **7:29**
